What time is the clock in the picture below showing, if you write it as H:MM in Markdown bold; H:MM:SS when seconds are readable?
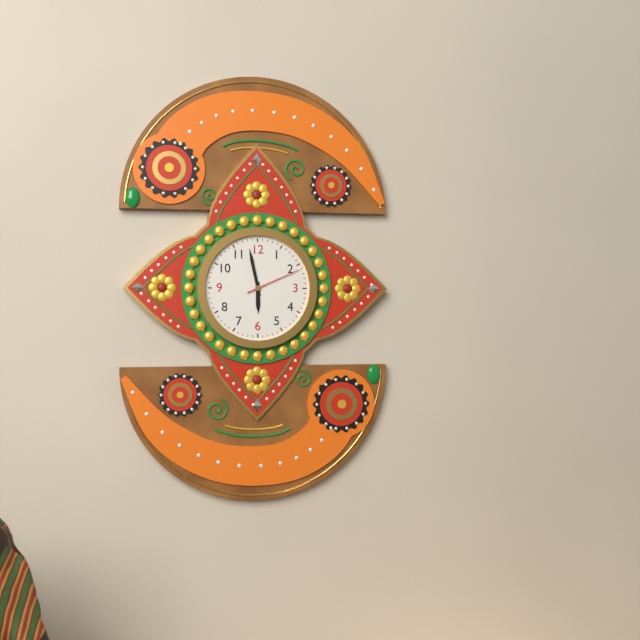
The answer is **5:58:11**
